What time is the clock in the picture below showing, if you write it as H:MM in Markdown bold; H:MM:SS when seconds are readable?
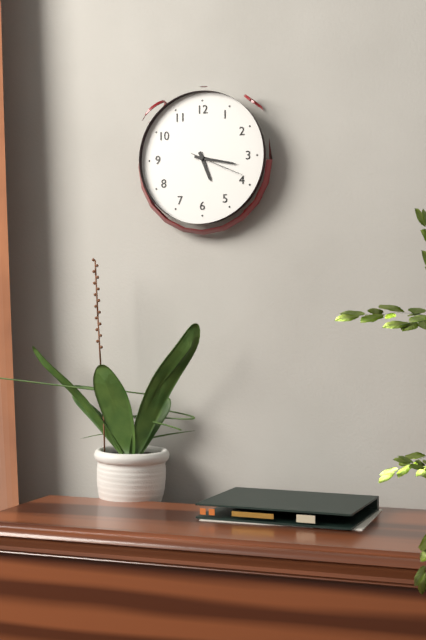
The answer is **5:17:19**
